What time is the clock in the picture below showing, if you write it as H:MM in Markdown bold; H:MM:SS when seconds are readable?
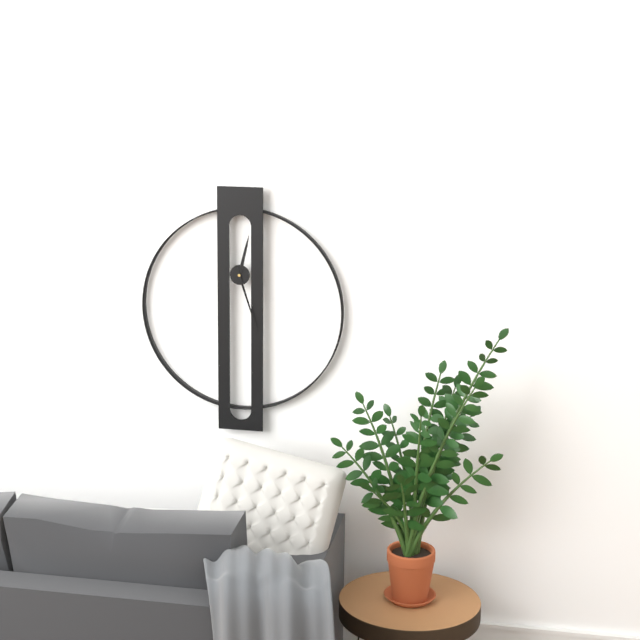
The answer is **12:27**
